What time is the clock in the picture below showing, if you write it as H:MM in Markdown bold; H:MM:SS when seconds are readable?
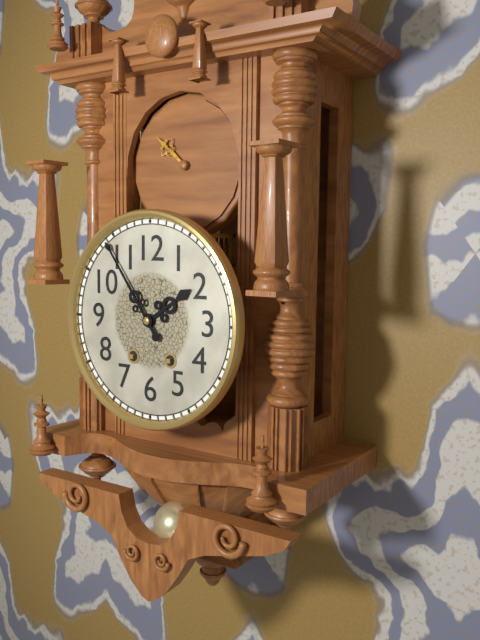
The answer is **1:54**
